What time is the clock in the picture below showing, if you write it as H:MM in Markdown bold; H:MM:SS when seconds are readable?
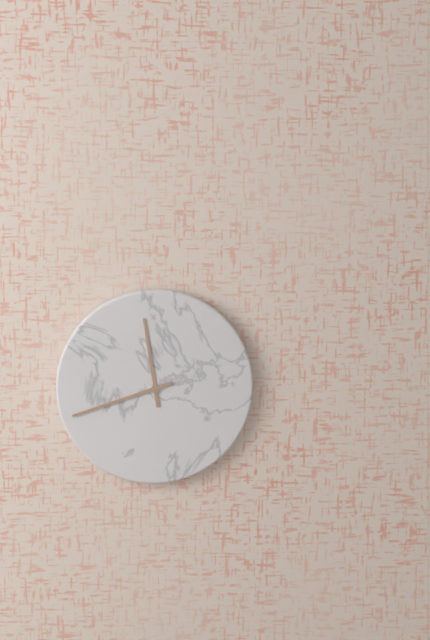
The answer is **11:42**
